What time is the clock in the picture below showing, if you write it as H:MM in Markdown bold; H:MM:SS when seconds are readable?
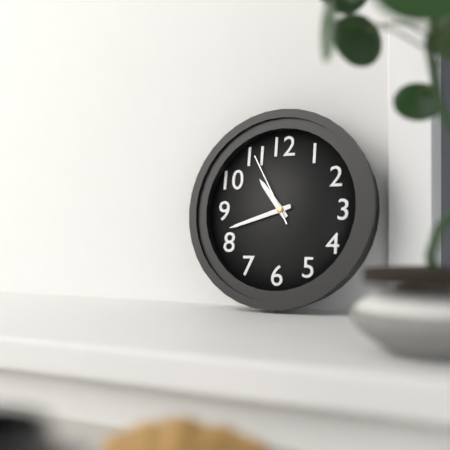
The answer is **10:42:55**
